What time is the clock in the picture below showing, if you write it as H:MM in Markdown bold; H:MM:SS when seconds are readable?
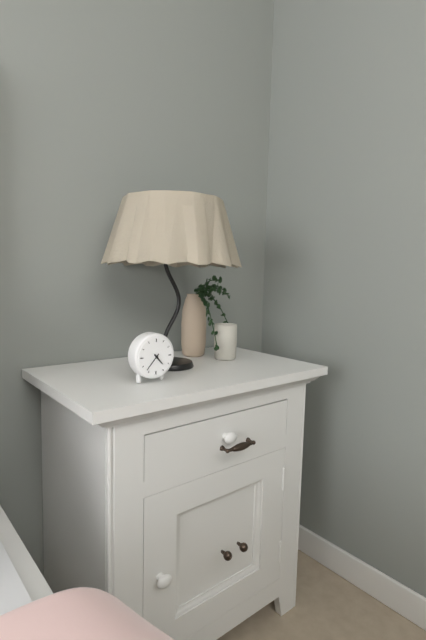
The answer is **4:37**
